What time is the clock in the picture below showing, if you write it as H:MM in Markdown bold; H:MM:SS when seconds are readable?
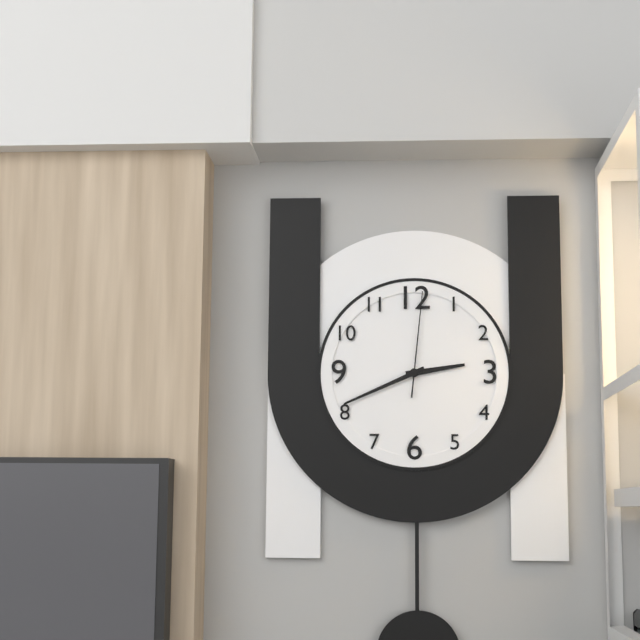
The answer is **2:41:01**
